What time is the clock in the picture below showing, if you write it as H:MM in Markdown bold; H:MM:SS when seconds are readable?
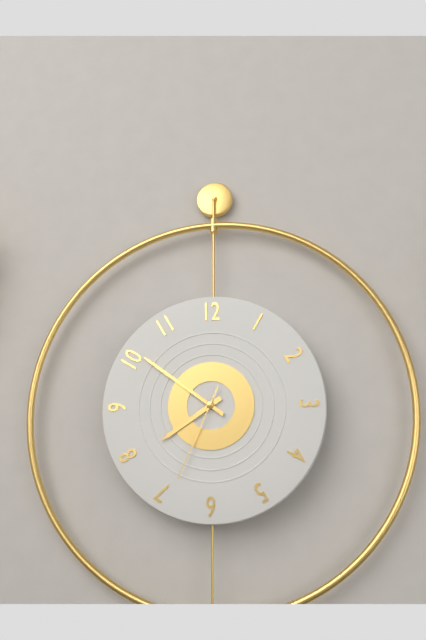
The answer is **7:51:34**
